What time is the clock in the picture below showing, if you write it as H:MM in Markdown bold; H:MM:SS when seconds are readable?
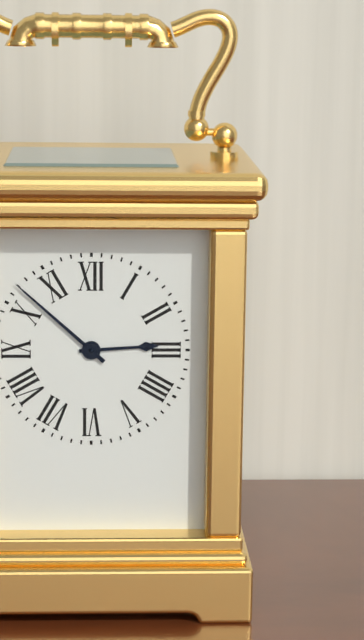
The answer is **2:52**
